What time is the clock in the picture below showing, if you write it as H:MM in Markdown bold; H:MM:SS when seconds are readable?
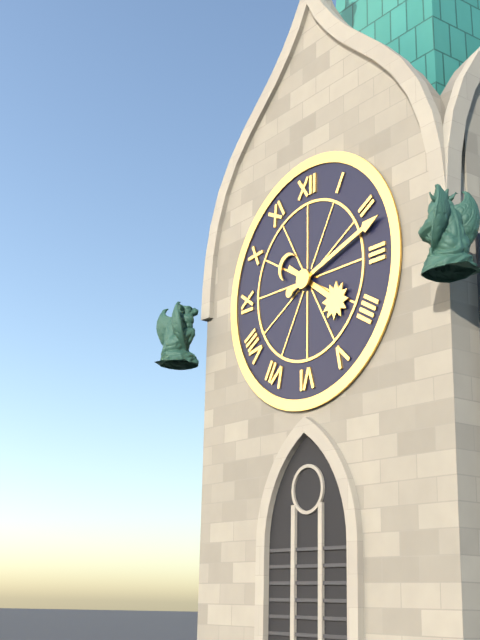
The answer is **4:12**
